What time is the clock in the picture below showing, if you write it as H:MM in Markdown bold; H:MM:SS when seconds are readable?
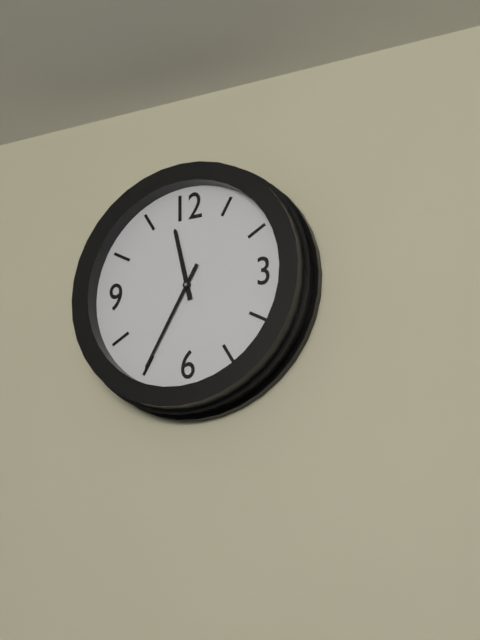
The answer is **11:35**
